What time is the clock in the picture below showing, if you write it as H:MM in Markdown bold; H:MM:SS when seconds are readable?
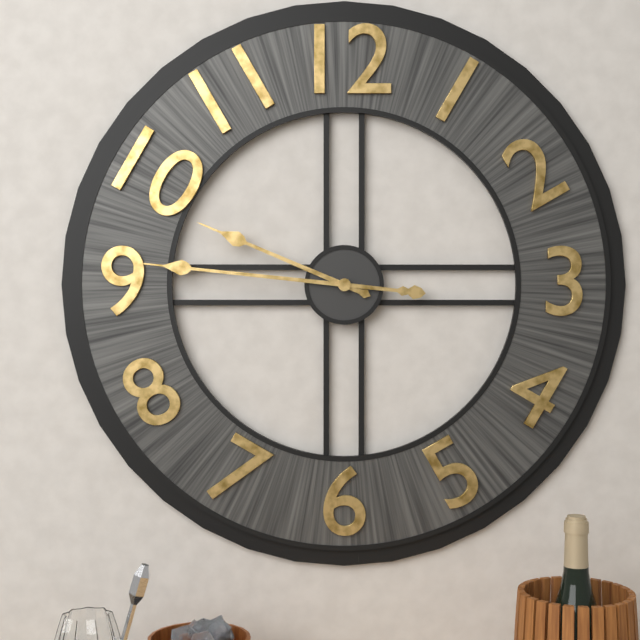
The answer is **9:46**
